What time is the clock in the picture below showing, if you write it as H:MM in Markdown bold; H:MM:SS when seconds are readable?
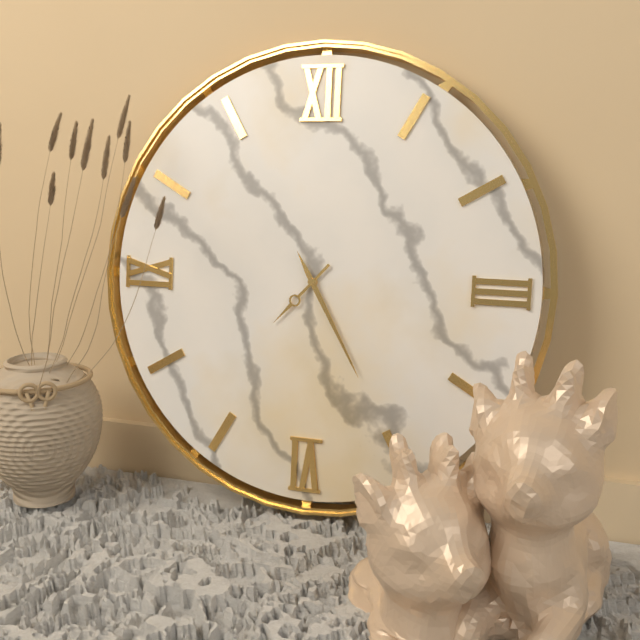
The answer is **7:25**
